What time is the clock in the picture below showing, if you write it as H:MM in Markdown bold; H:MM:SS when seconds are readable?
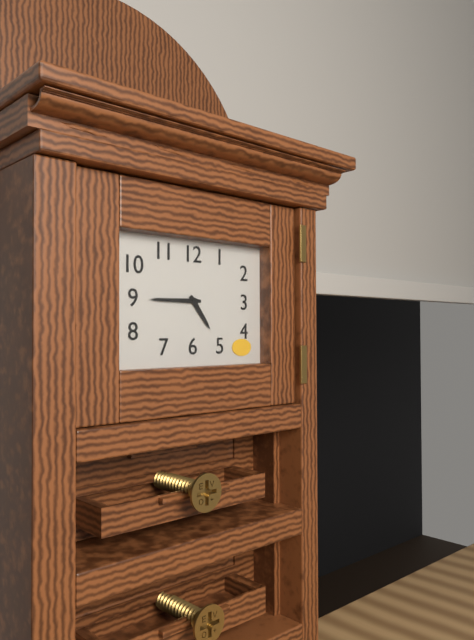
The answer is **4:45**
